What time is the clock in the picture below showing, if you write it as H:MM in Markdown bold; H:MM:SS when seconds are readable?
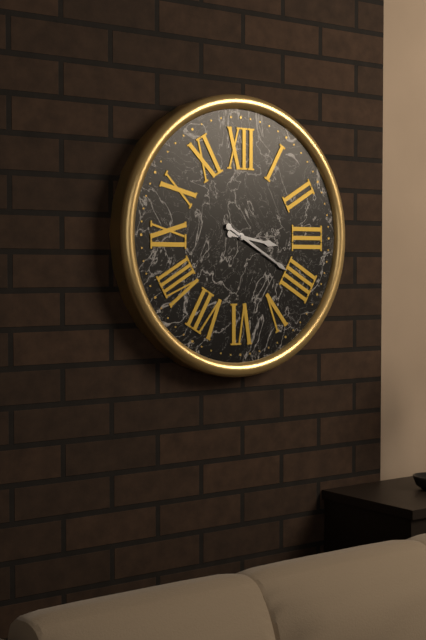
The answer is **3:20**
